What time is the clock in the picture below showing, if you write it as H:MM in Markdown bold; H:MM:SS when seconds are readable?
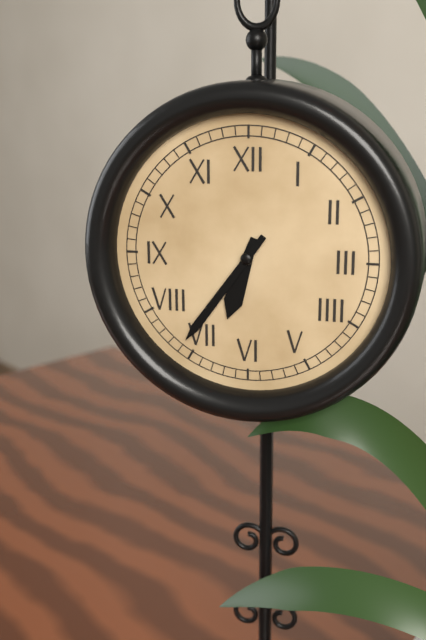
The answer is **6:36**
